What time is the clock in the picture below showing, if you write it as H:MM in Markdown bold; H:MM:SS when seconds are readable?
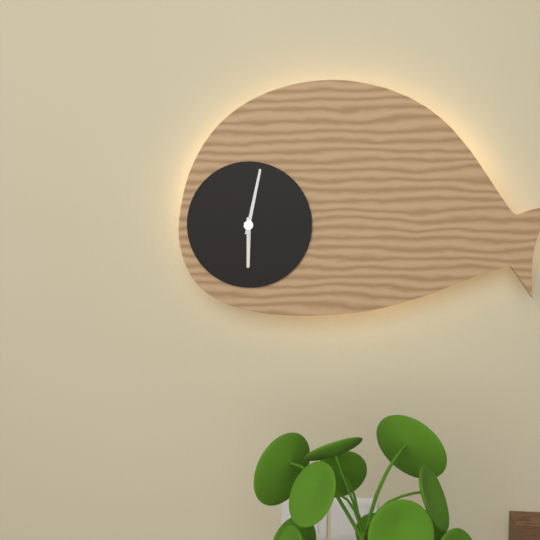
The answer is **6:02**
